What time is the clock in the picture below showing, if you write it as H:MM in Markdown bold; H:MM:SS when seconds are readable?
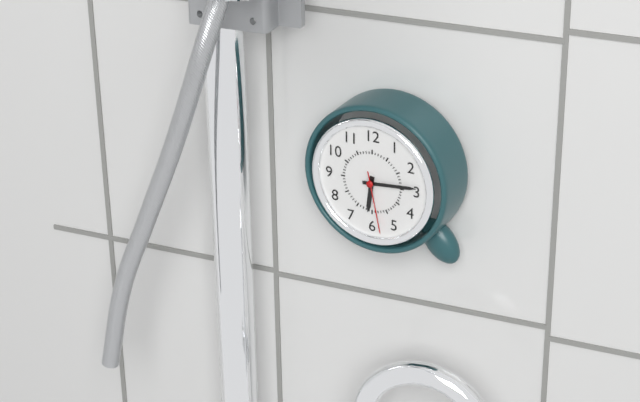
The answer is **6:14:28**
